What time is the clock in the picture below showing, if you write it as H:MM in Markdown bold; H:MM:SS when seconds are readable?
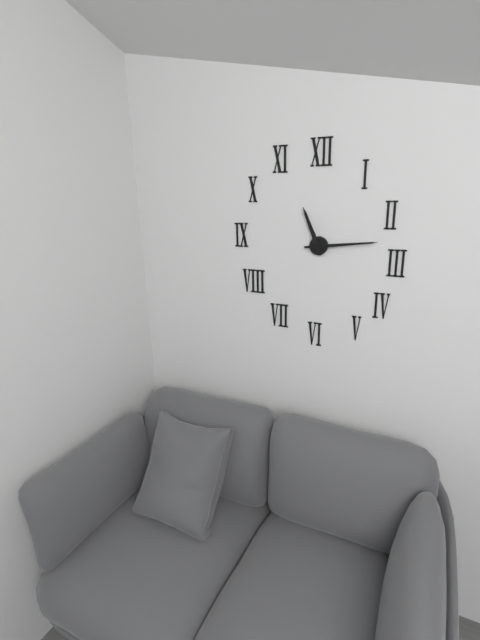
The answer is **11:14**
